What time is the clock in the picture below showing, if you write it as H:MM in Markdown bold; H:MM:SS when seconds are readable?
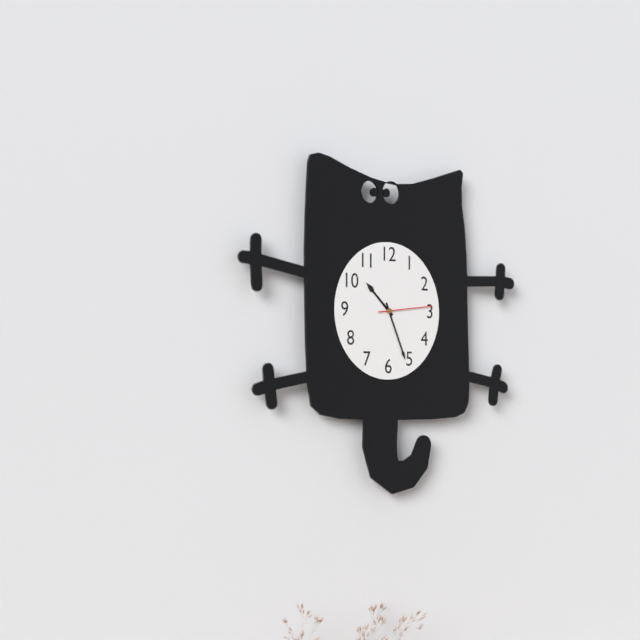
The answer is **10:26:14**
